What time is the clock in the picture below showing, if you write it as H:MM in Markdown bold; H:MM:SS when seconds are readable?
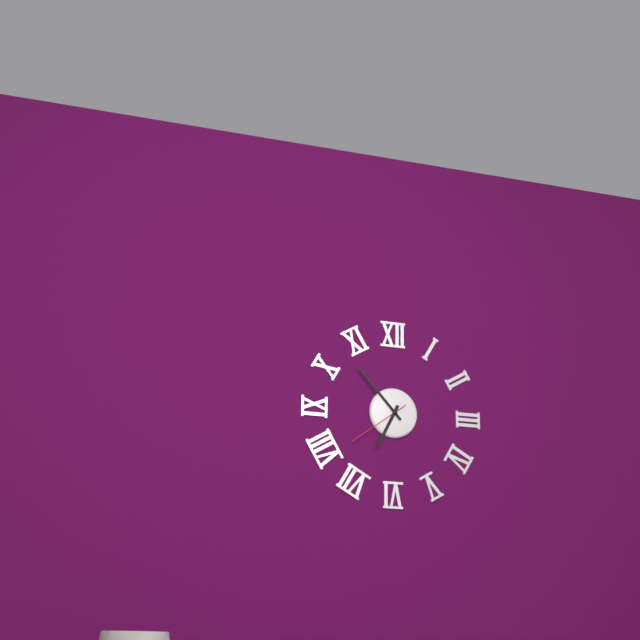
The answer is **6:53:39**
